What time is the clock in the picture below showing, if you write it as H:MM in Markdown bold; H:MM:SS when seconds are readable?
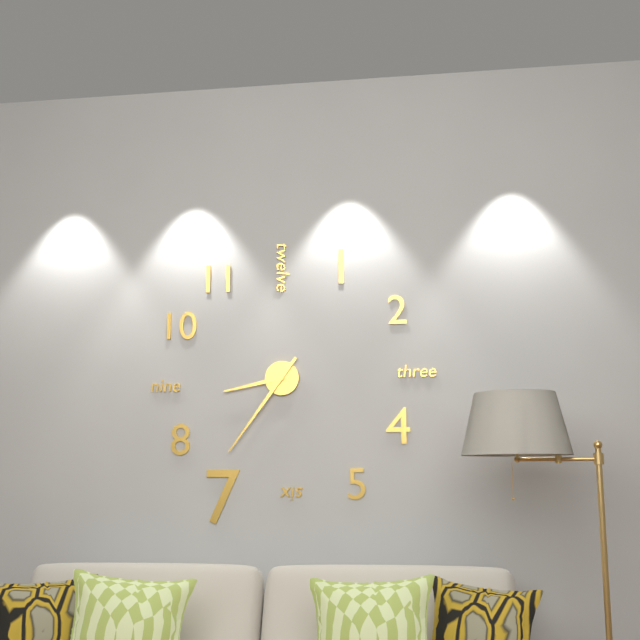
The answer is **8:36**
